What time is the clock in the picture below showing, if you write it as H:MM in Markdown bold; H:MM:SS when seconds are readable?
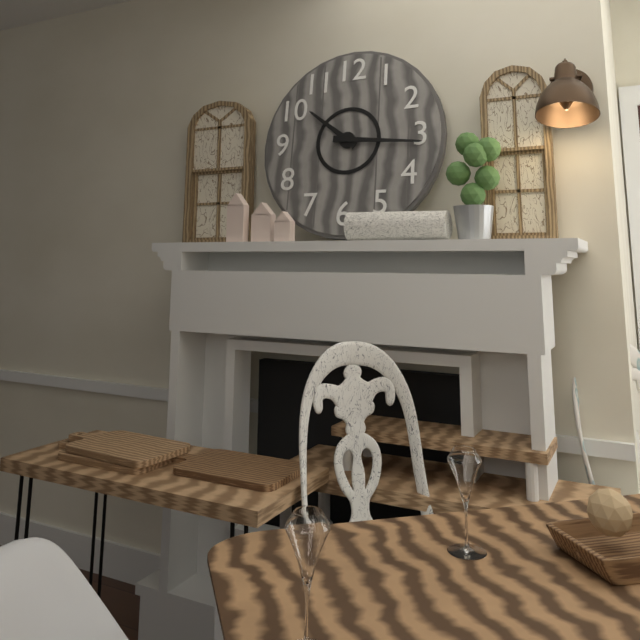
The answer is **10:16**
